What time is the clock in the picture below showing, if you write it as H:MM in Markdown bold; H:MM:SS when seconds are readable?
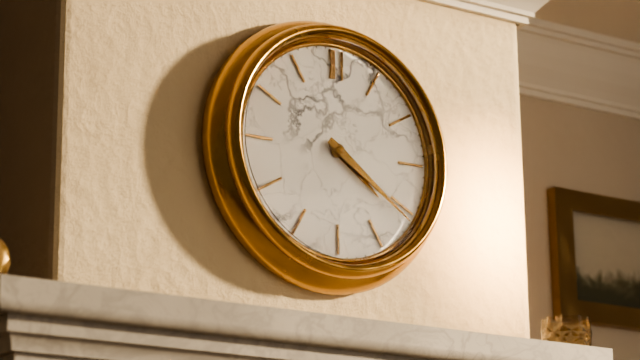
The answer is **4:21**
